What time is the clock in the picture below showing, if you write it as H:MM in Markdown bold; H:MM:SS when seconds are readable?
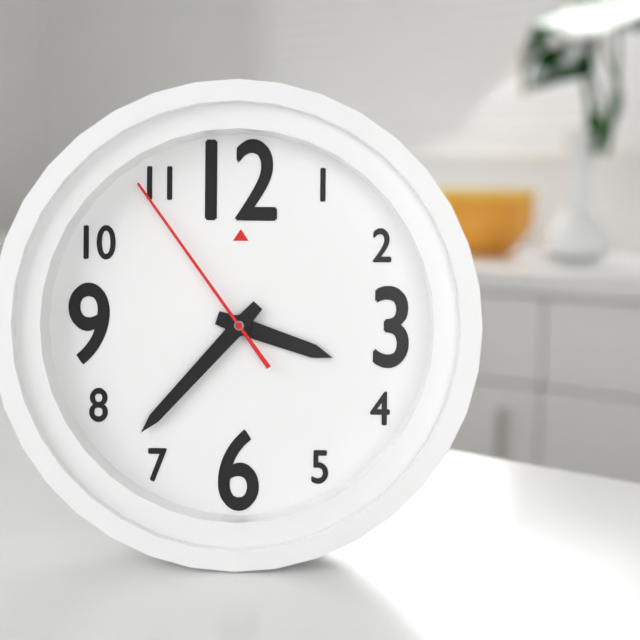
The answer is **3:37:54**
